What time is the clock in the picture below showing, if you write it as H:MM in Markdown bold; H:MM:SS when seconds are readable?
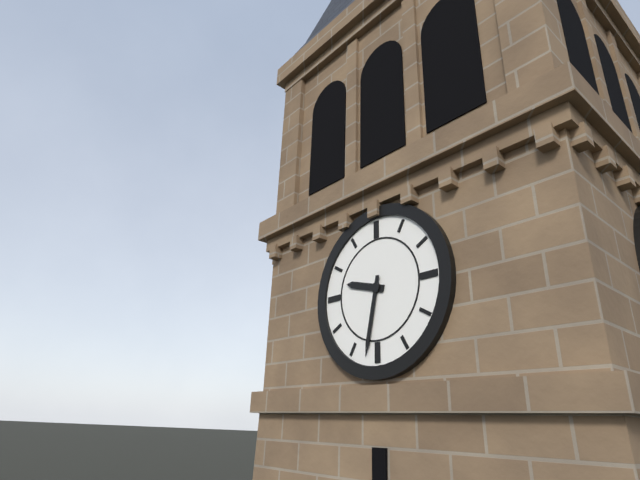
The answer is **9:32**
